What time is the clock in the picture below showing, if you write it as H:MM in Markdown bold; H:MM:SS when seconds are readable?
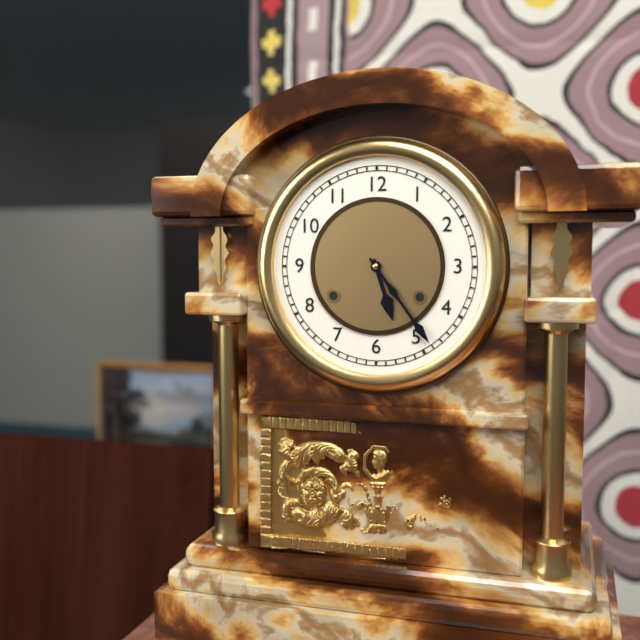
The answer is **5:24**
